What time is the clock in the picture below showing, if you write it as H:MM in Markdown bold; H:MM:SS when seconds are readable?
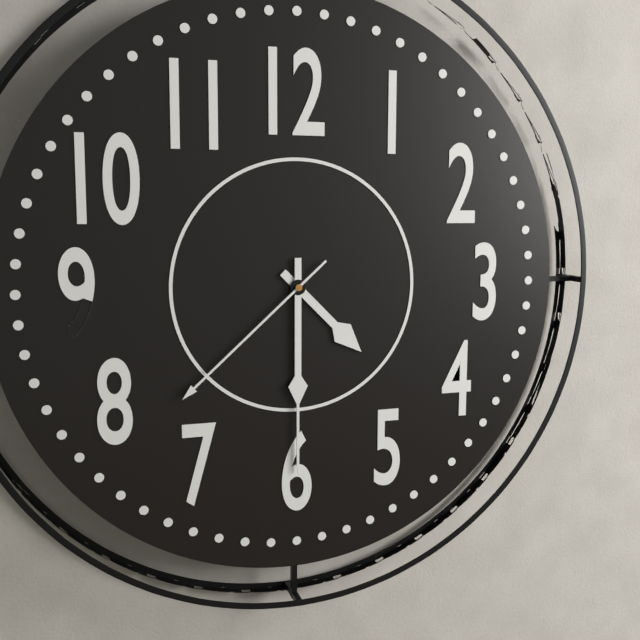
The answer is **4:30:38**
